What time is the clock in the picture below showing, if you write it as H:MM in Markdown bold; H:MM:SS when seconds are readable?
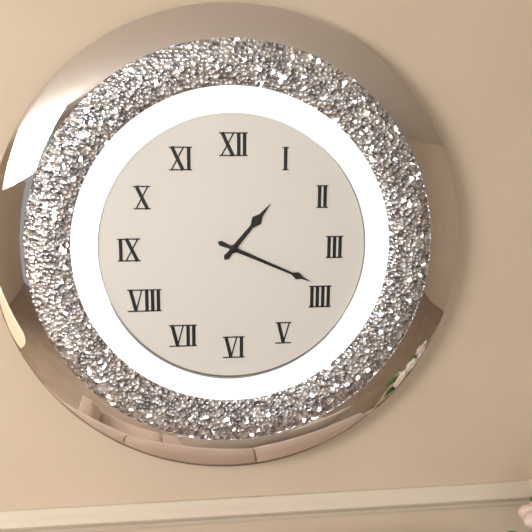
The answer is **1:19**
